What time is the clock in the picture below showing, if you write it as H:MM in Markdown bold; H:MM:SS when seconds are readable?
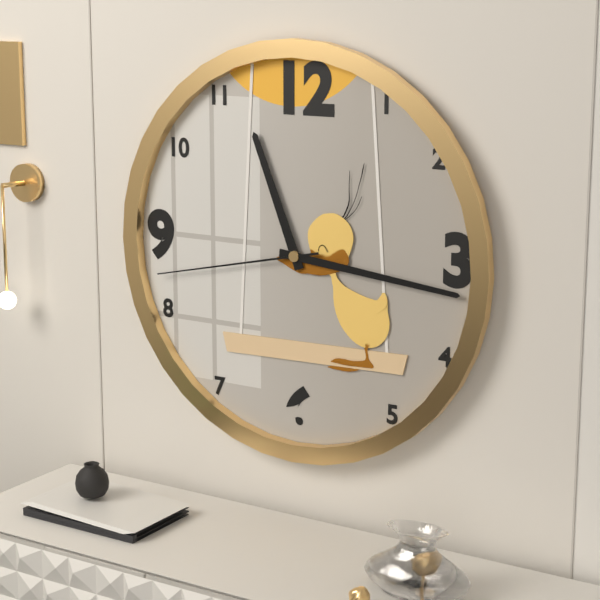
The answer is **11:16:43**
